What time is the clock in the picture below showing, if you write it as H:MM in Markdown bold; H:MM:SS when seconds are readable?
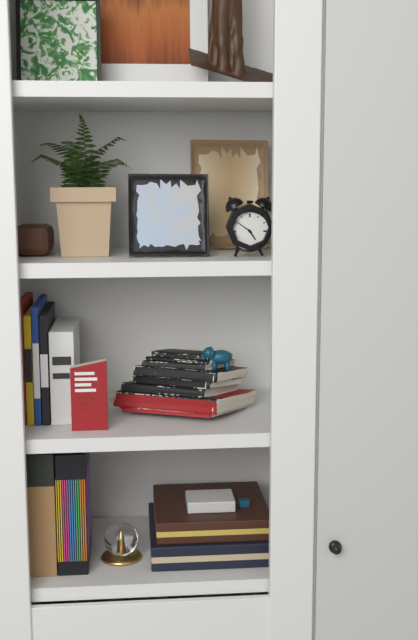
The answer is **4:51**
